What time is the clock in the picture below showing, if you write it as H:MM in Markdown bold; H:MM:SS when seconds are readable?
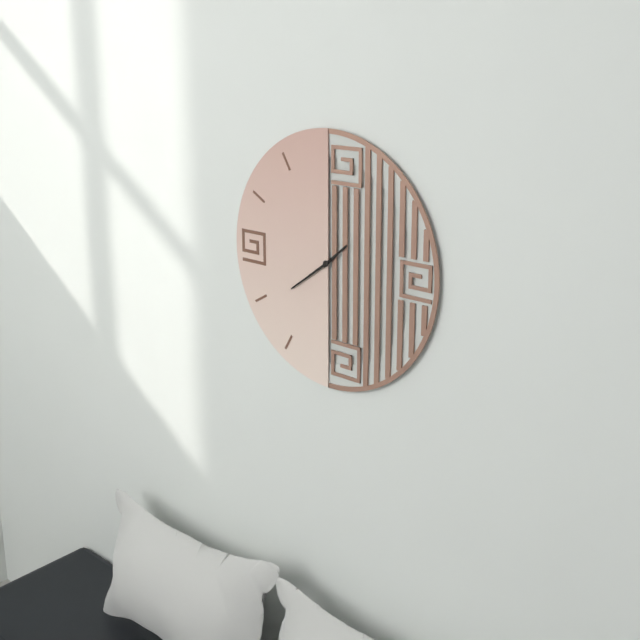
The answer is **1:39**
